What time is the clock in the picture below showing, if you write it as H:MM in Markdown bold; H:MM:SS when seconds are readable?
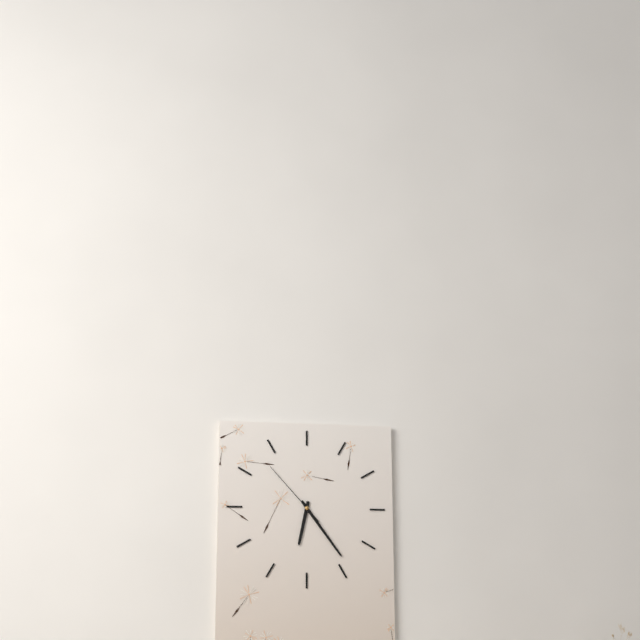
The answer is **6:24:53**
